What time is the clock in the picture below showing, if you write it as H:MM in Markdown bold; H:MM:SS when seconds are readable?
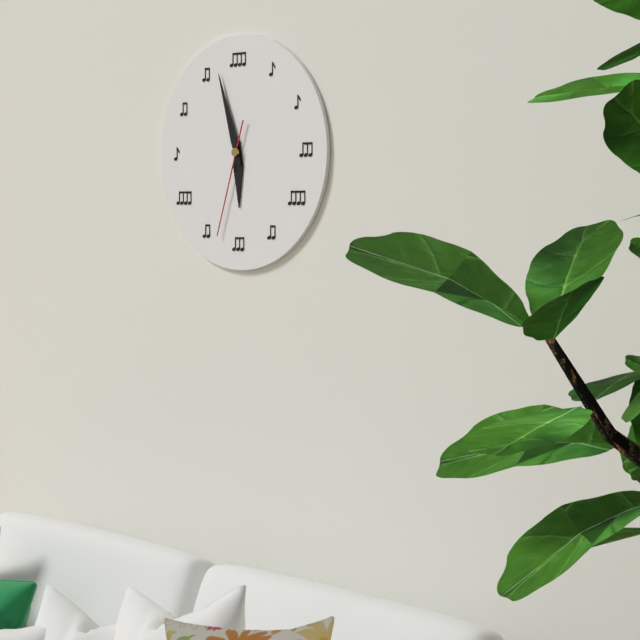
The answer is **5:57:33**
